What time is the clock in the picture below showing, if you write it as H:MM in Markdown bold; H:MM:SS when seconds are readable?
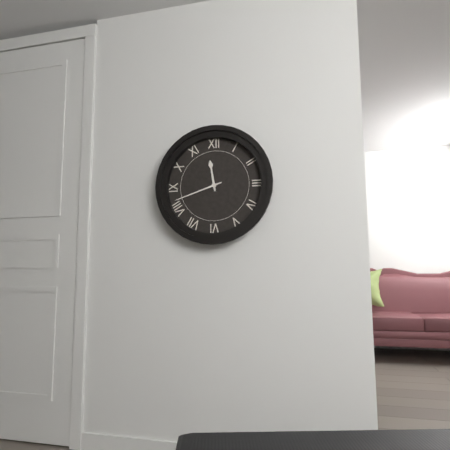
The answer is **11:42**
